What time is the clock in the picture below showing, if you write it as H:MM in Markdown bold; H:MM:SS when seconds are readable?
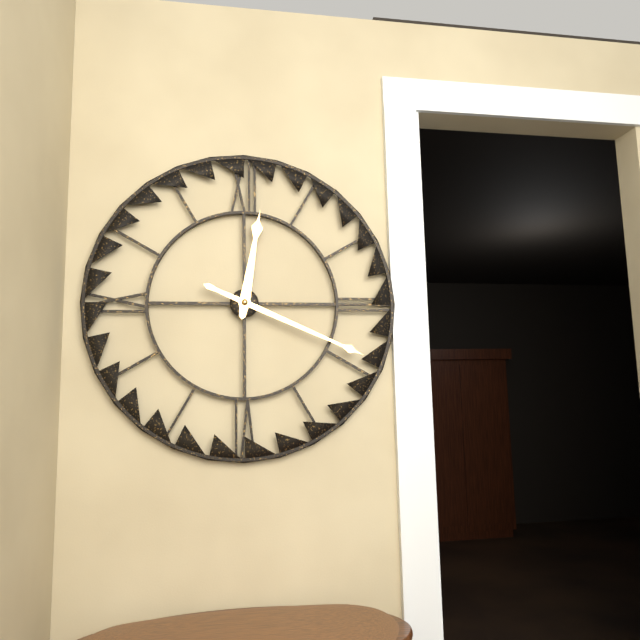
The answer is **12:19**
